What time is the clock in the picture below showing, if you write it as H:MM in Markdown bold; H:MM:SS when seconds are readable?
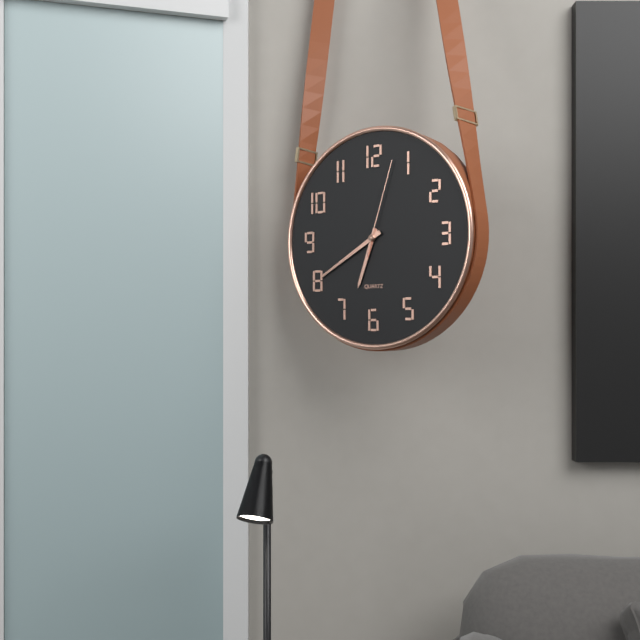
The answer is **6:40:03**
